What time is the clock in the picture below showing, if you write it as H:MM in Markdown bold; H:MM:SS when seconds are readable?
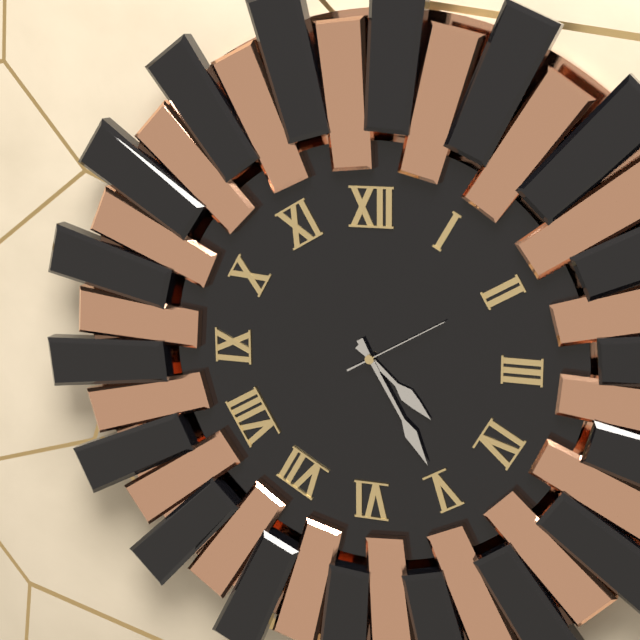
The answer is **4:25:10**
